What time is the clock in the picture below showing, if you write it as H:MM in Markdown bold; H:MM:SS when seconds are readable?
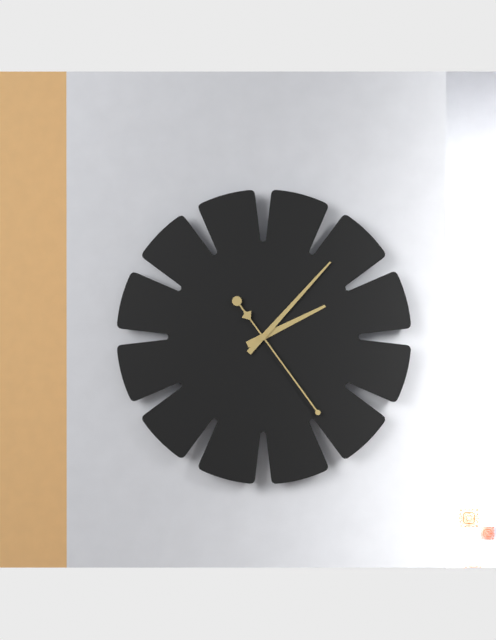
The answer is **2:07:24**
